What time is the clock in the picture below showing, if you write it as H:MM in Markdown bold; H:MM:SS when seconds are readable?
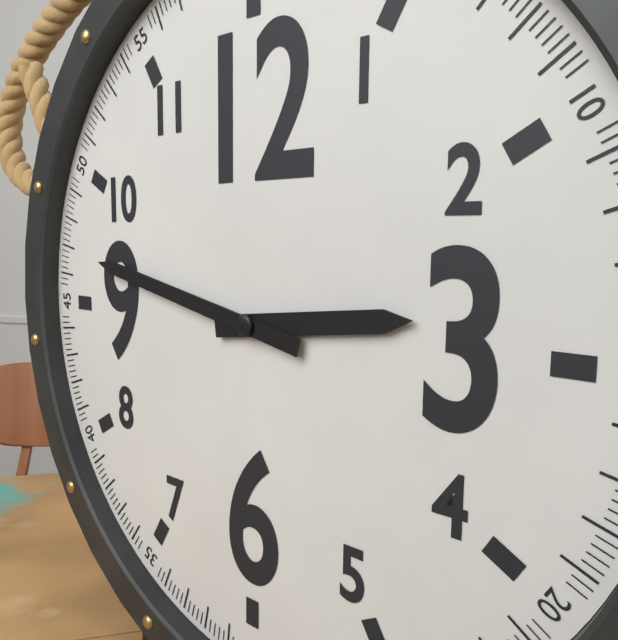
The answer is **2:47**
